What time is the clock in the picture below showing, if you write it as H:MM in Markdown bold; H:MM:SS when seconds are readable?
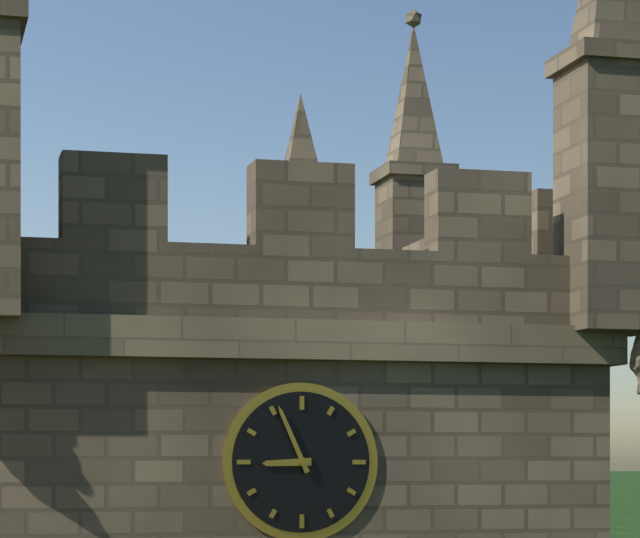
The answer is **8:56**
